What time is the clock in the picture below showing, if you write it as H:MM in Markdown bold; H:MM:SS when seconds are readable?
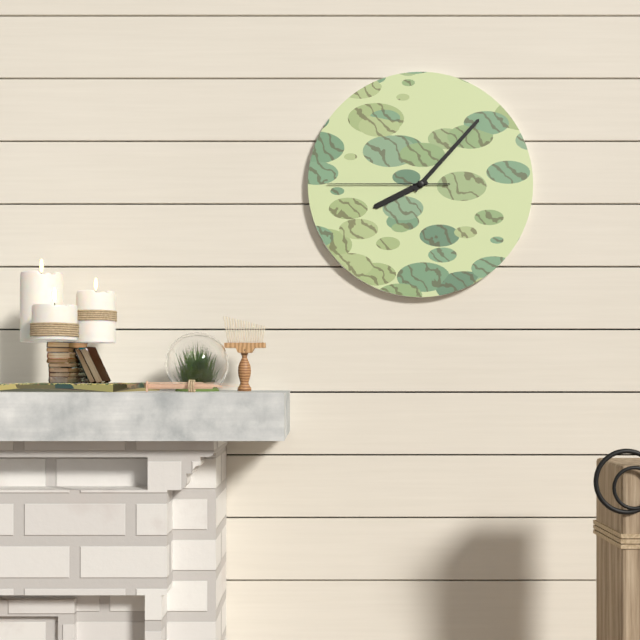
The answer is **8:07:45**
